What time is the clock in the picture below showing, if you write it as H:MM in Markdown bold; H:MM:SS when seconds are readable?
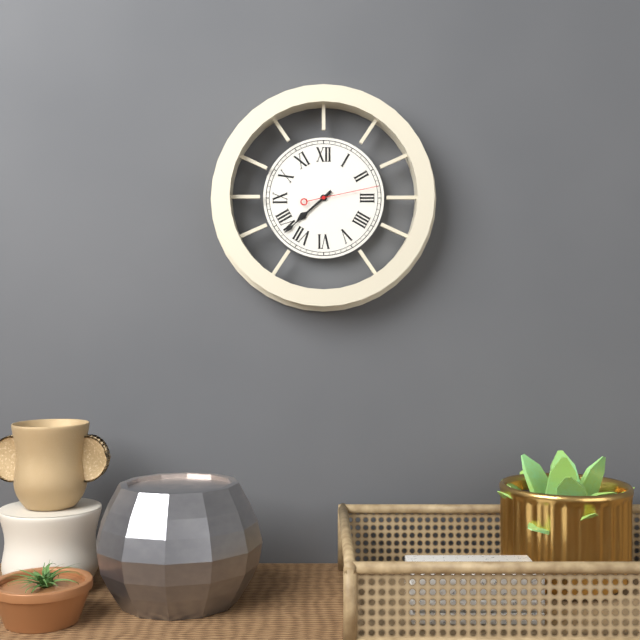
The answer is **7:38:13**
